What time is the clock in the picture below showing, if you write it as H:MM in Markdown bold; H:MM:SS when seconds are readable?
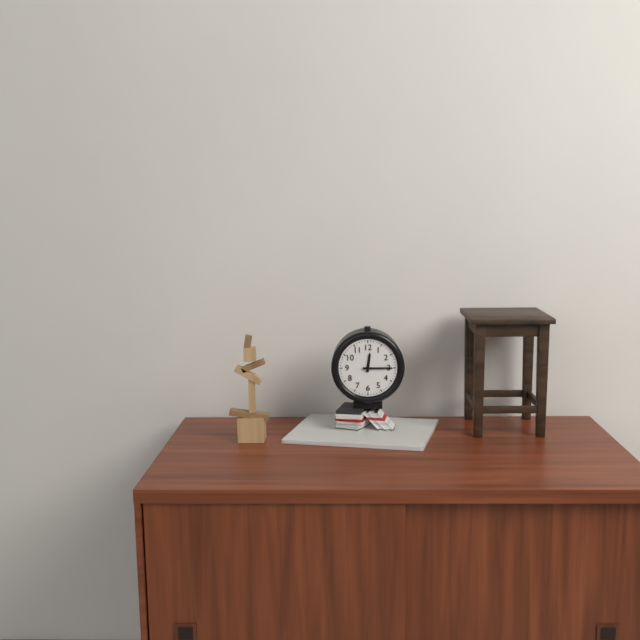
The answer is **12:15**
